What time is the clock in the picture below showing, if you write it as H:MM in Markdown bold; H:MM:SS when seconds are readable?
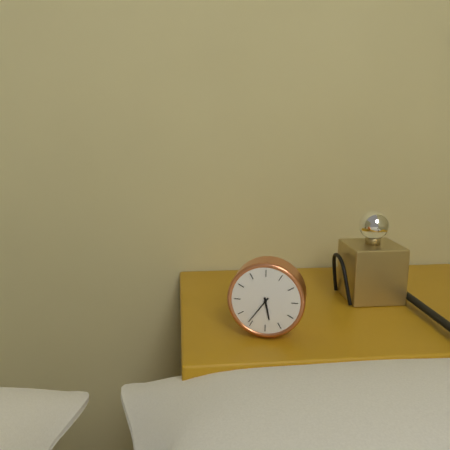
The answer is **5:36**
